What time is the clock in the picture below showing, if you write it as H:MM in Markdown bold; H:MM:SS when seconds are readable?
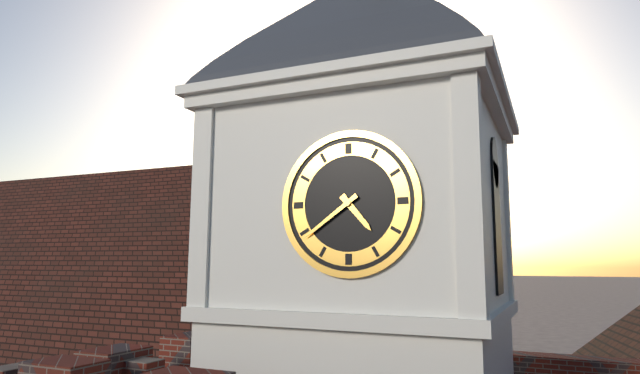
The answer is **4:39**
